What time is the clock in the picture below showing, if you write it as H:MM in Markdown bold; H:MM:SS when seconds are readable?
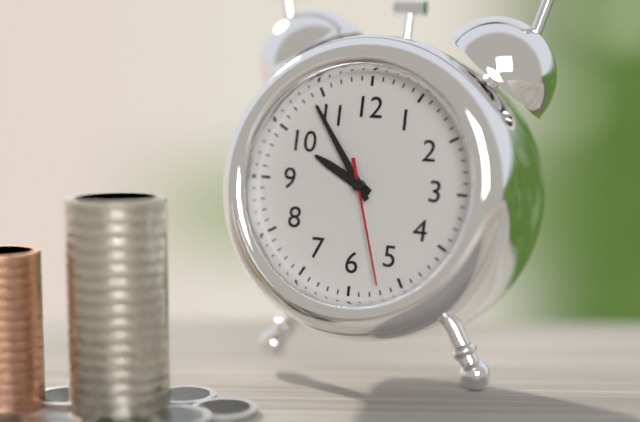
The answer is **9:54:27**
